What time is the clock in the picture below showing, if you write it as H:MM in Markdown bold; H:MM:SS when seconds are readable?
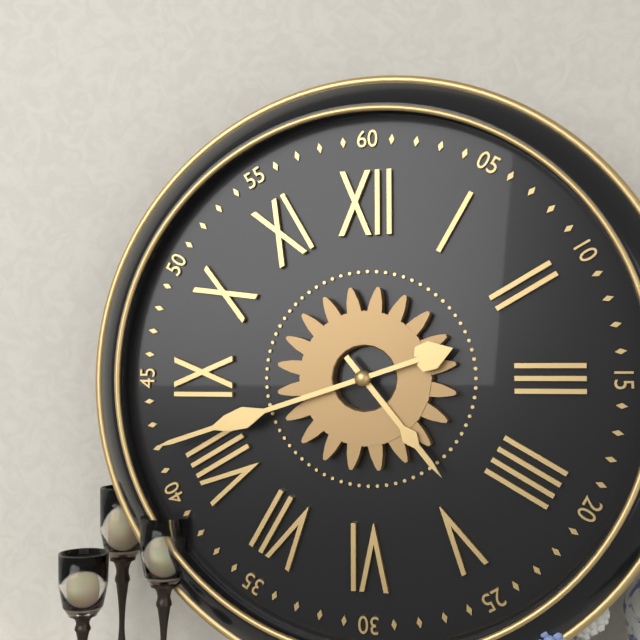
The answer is **4:42**
